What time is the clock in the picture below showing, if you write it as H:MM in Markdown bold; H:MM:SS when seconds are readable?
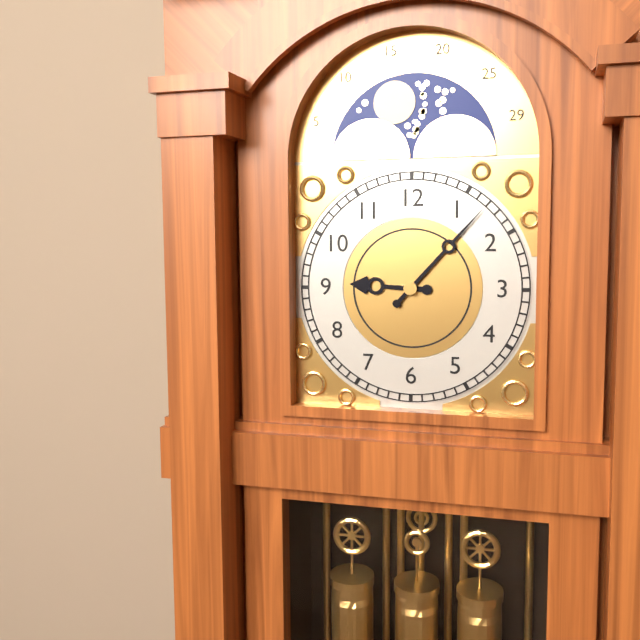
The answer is **9:07**
